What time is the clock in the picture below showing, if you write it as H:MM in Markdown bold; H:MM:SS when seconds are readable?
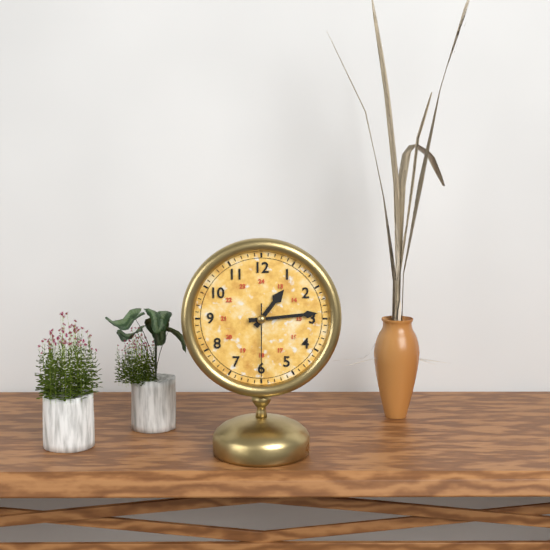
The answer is **1:14:30**
